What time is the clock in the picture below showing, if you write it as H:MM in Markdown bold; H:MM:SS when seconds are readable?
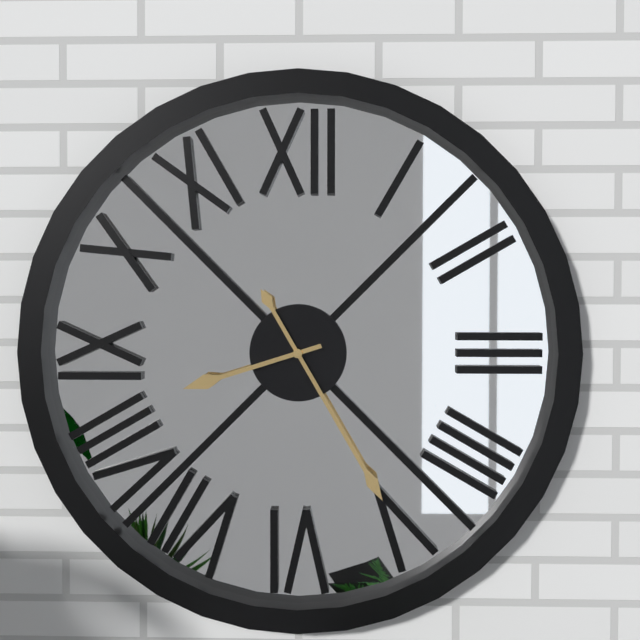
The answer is **8:25**
